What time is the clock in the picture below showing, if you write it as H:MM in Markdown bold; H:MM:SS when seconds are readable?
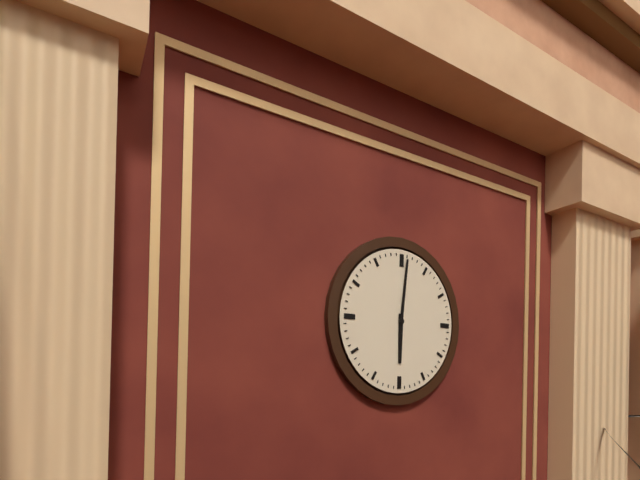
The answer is **6:01**
